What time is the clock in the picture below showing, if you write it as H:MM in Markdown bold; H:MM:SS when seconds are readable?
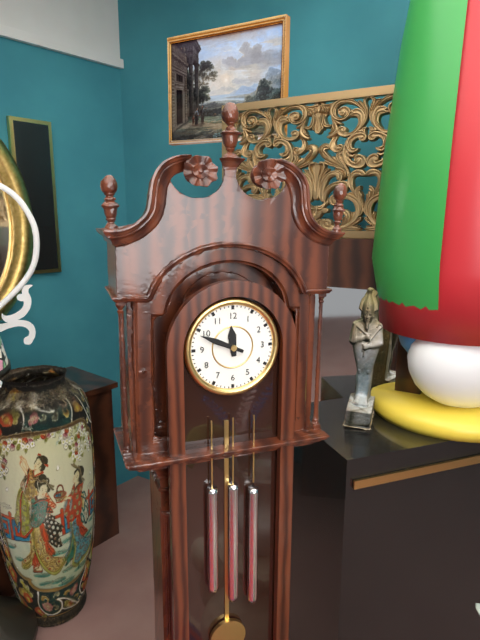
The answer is **11:49**
